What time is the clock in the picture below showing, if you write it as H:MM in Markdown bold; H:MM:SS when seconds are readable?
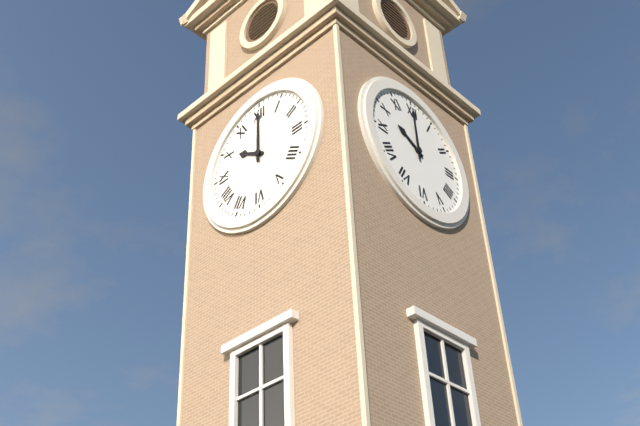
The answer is **10:00**
